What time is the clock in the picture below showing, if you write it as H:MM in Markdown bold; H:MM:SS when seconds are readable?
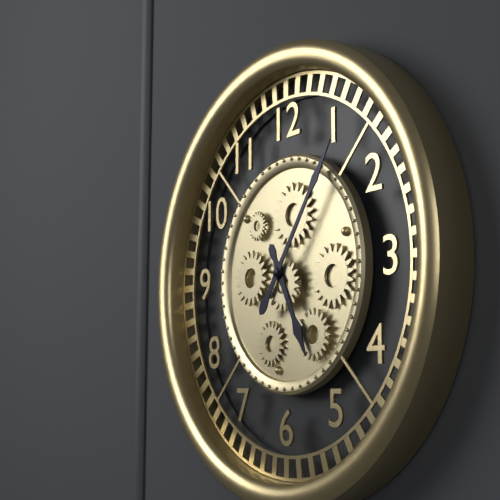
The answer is **5:06**
